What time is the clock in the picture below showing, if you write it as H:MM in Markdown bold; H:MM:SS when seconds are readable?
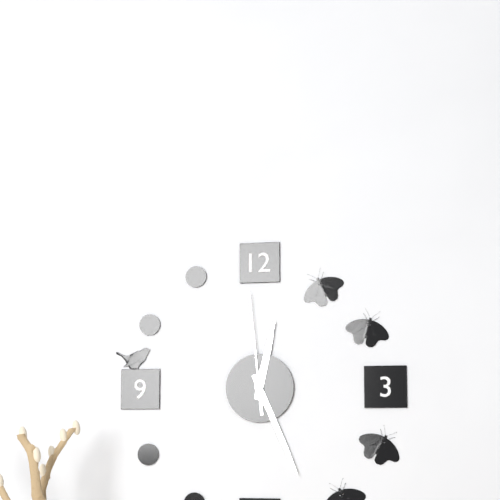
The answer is **12:26:59**
